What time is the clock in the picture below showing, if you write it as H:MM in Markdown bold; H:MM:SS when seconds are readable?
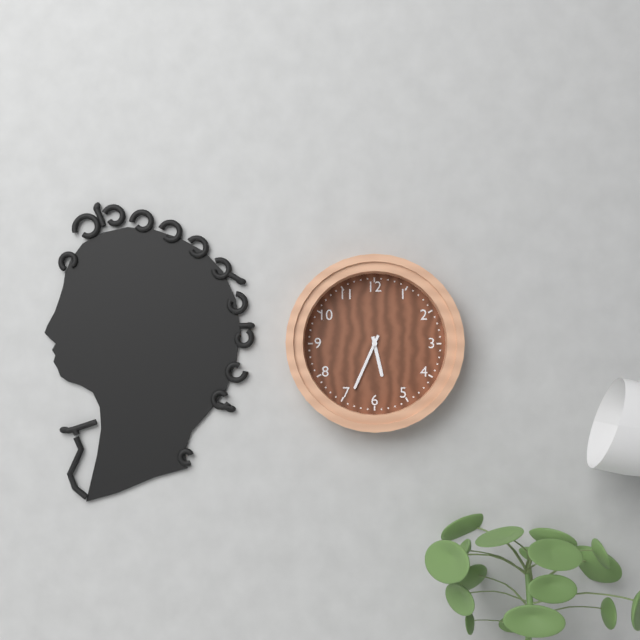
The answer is **5:34**
